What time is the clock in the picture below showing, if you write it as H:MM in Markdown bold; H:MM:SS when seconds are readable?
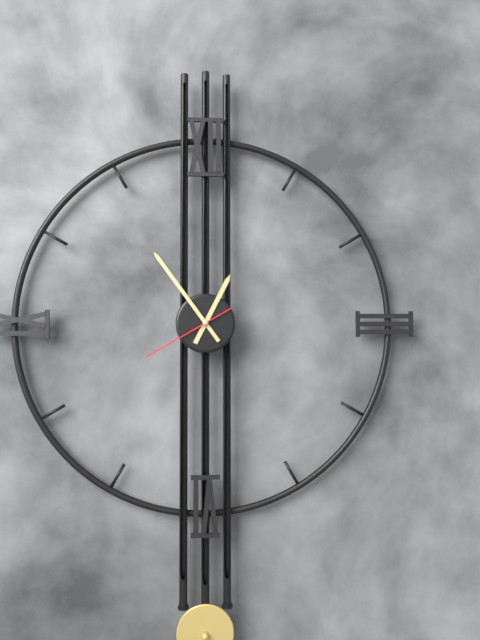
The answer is **12:54:40**
